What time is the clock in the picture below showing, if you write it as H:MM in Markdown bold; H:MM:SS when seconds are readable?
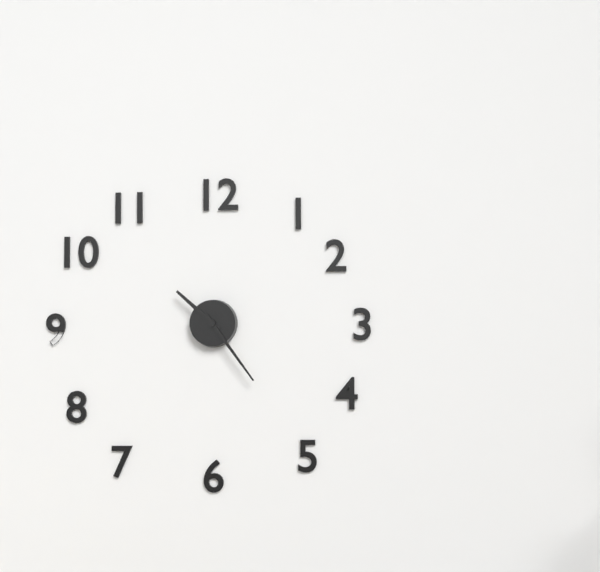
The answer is **10:24**
